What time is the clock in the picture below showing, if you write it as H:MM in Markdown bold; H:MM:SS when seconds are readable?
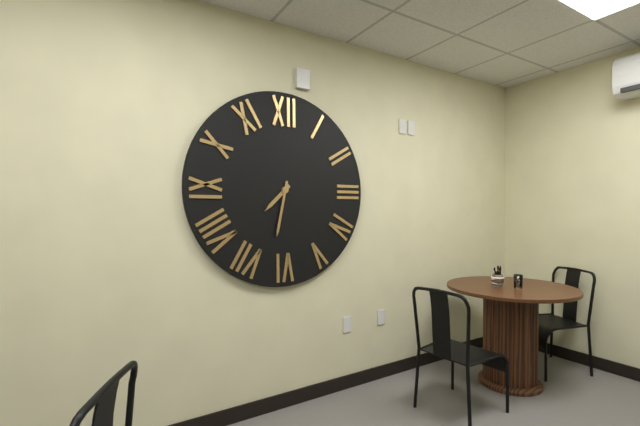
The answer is **7:32**
